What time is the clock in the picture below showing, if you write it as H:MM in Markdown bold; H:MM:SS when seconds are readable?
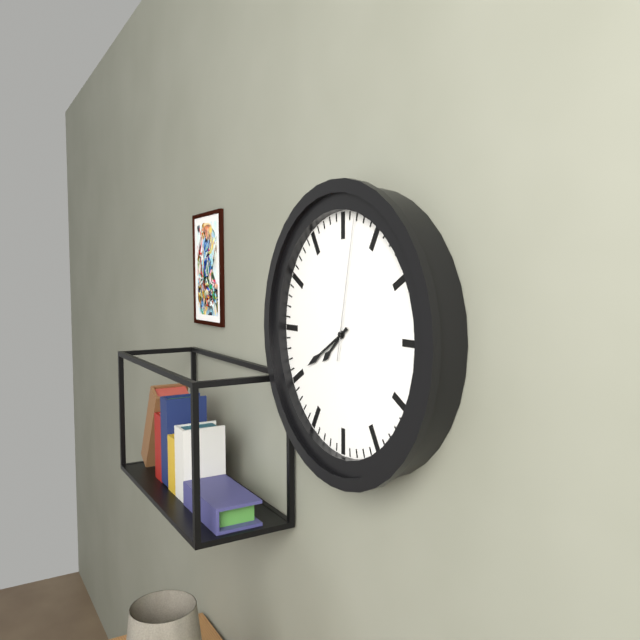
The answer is **7:40:02**
